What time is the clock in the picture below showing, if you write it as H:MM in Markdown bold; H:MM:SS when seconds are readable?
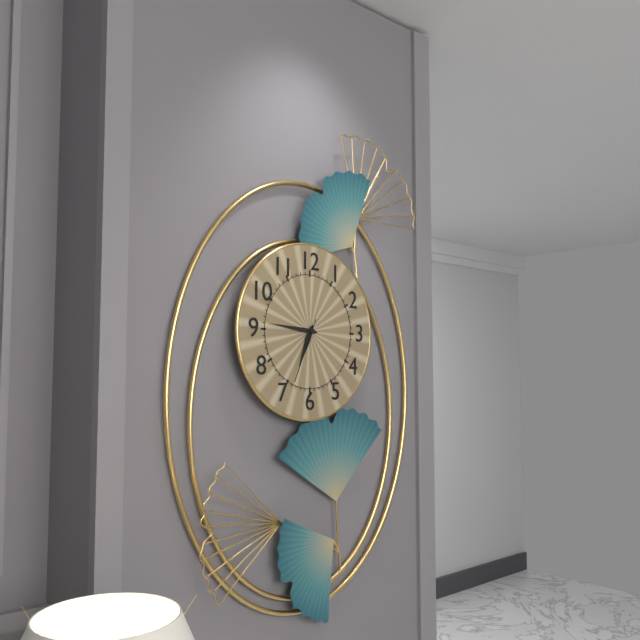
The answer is **6:46:34**
